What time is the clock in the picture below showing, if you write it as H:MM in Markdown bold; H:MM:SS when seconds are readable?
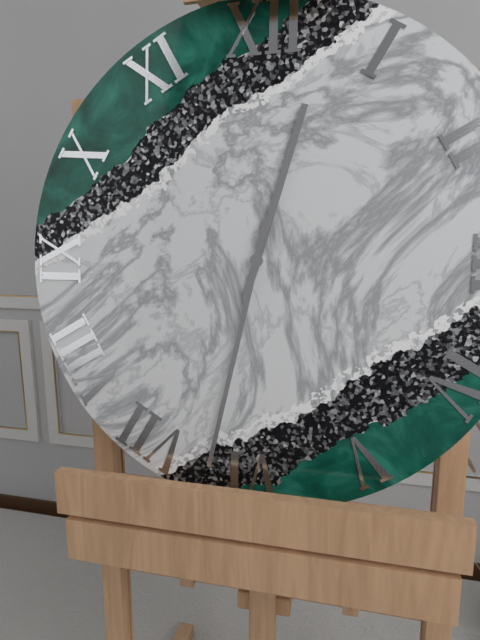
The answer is **12:32**
